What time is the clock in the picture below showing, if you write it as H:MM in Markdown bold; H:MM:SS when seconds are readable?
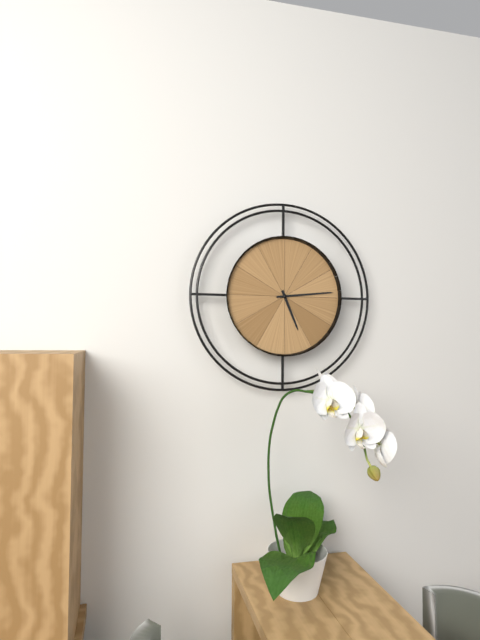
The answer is **5:14**
